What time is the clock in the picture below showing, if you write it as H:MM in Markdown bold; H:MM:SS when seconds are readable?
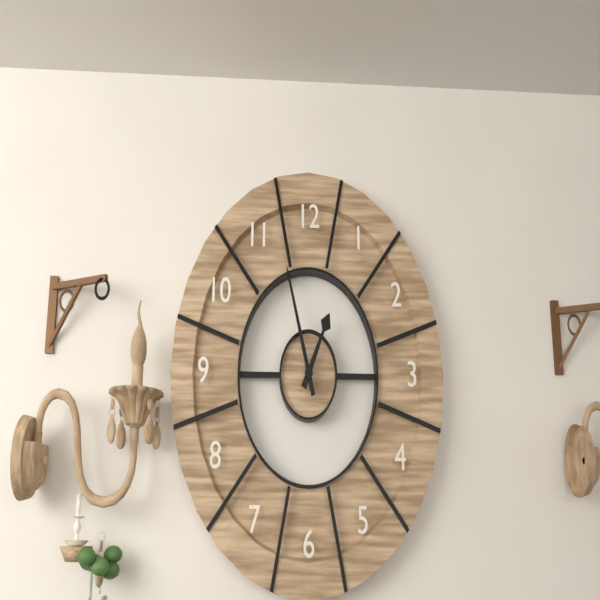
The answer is **12:57**
